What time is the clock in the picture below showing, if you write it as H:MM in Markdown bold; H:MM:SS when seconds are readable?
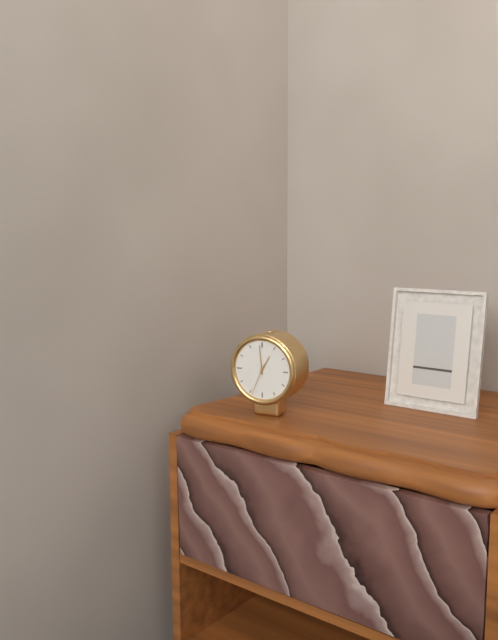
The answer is **12:59**
